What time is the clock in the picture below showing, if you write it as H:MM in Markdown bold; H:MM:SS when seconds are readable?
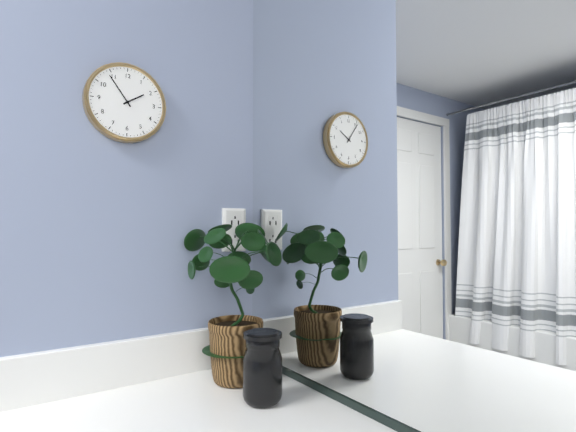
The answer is **1:54**
